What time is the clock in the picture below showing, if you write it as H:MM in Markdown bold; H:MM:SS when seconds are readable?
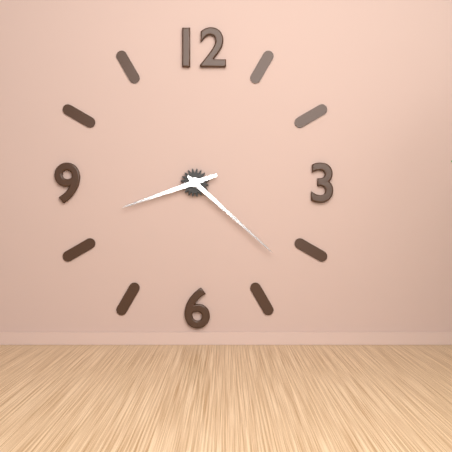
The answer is **8:22**
